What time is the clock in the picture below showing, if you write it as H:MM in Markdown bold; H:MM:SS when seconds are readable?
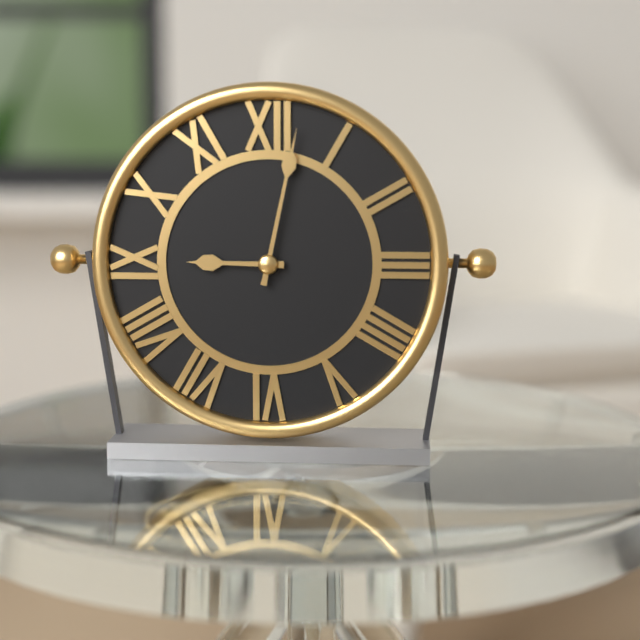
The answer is **9:02**
